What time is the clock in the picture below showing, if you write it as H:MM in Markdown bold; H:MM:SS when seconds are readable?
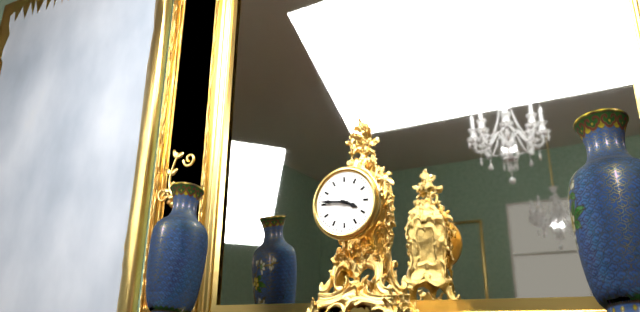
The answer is **3:46**
